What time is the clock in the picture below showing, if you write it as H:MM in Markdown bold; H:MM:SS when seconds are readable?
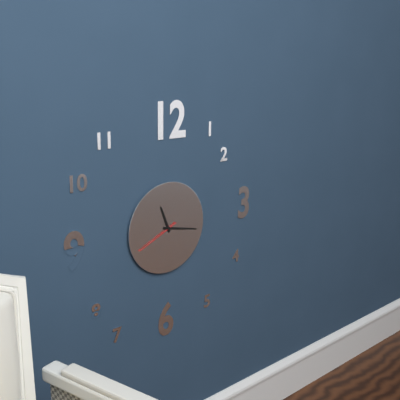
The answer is **11:17**
